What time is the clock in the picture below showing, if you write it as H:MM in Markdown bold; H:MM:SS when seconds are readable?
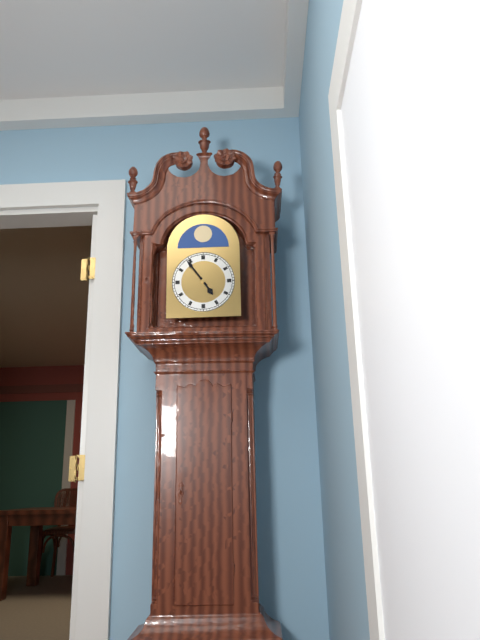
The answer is **4:54**
